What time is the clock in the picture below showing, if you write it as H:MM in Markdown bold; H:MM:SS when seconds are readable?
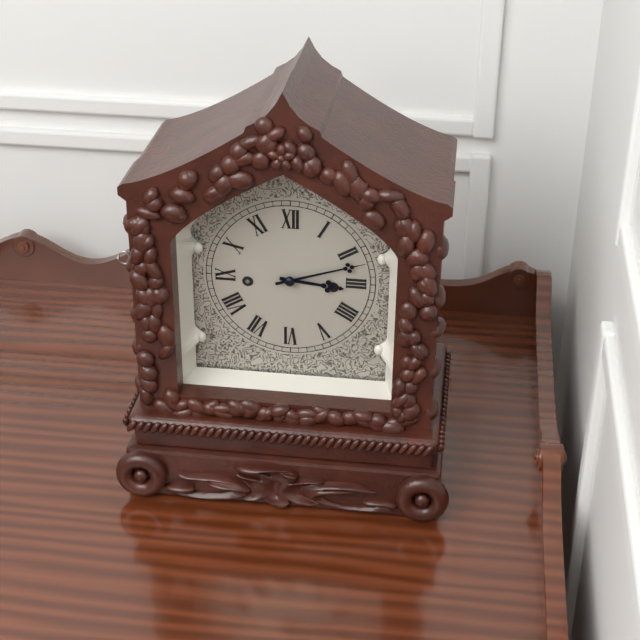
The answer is **3:12**
